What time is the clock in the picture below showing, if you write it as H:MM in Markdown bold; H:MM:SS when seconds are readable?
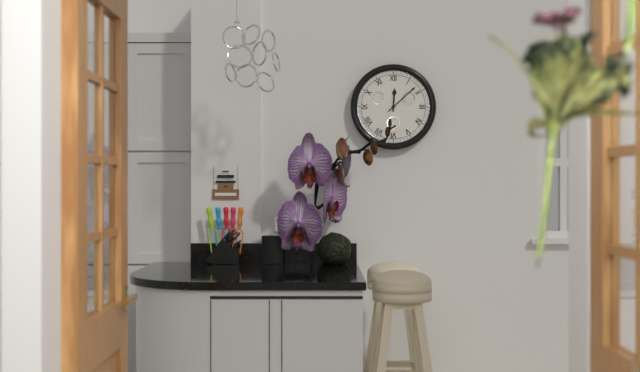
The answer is **12:08**
